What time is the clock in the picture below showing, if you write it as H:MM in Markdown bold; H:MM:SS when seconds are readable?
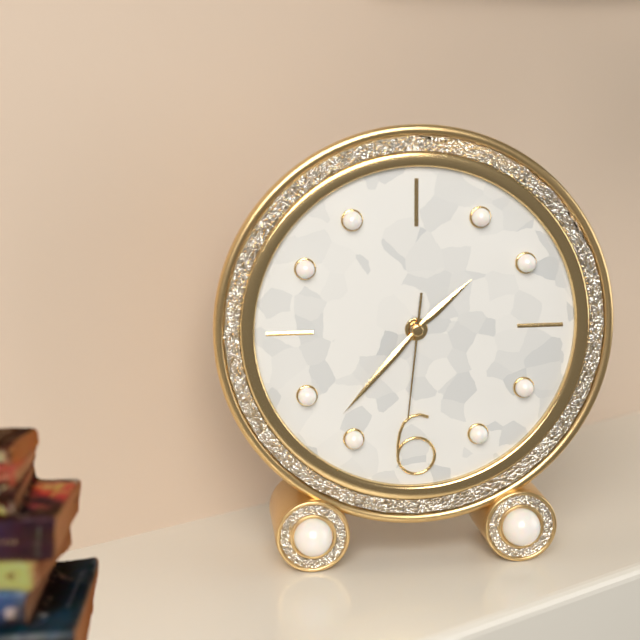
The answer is **1:37:31**
